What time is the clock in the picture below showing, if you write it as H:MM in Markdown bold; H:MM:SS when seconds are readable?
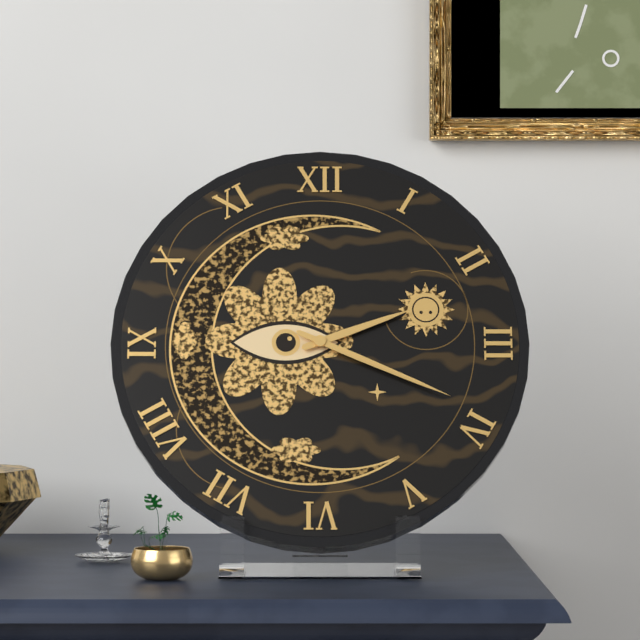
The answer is **2:19**
